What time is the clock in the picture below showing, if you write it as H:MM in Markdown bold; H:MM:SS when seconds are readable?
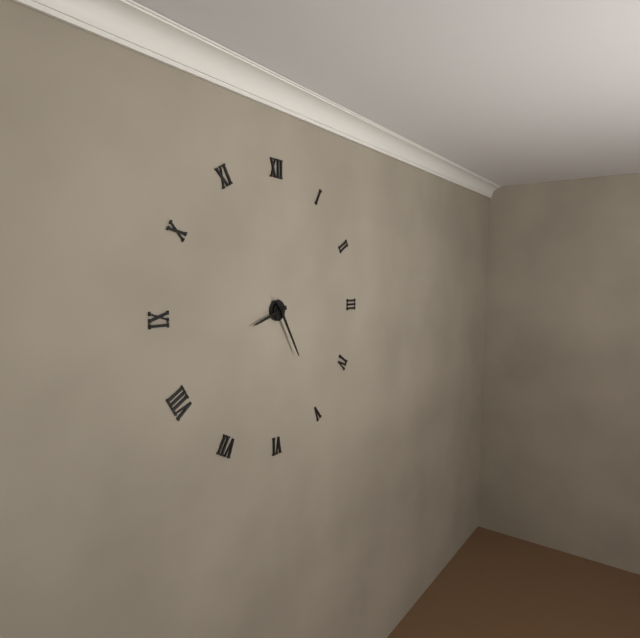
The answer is **8:25**
